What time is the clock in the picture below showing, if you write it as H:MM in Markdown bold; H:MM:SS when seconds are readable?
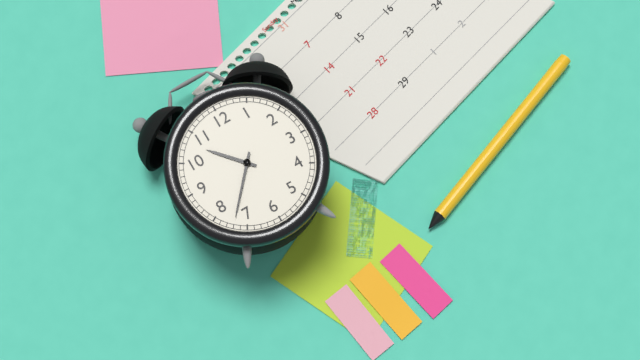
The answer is **10:37**
